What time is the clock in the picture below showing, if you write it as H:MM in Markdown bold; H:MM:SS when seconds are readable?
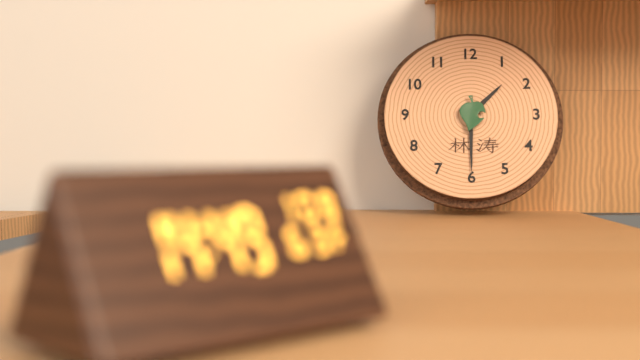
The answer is **1:30**
